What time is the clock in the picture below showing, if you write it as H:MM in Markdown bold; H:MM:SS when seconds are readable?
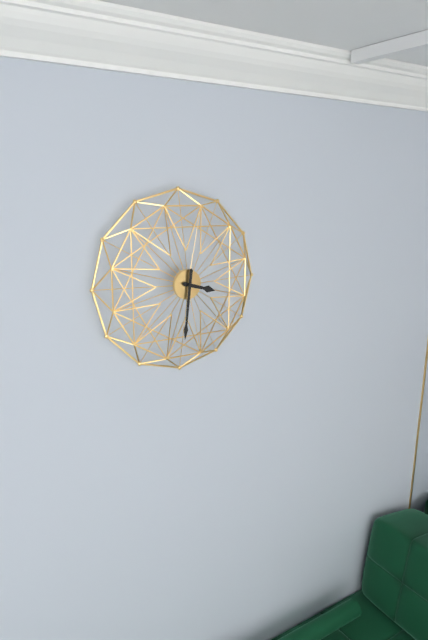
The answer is **3:31**
